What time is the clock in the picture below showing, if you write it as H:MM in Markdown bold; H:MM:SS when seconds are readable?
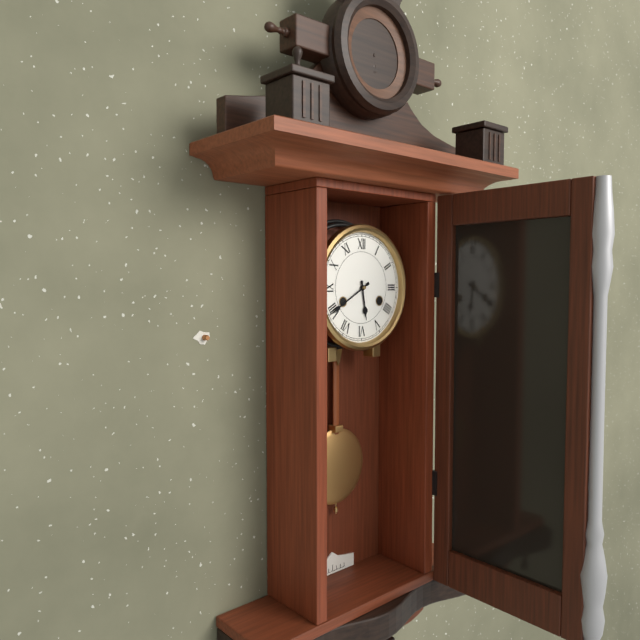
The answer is **5:40**
